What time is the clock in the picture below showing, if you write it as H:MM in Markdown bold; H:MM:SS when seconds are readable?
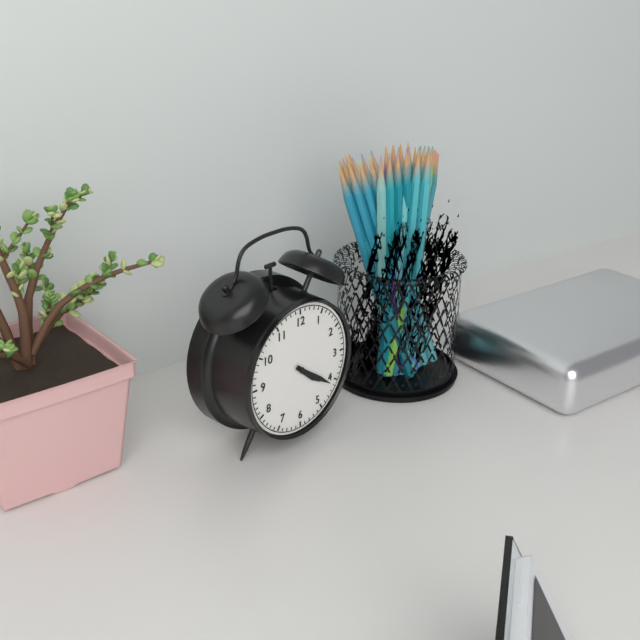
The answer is **4:21**
